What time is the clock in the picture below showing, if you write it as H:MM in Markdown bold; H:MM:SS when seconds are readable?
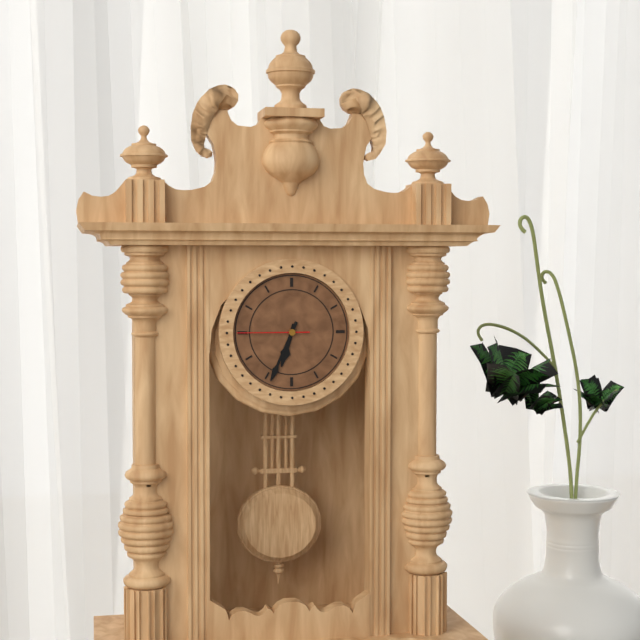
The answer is **6:34:45**
